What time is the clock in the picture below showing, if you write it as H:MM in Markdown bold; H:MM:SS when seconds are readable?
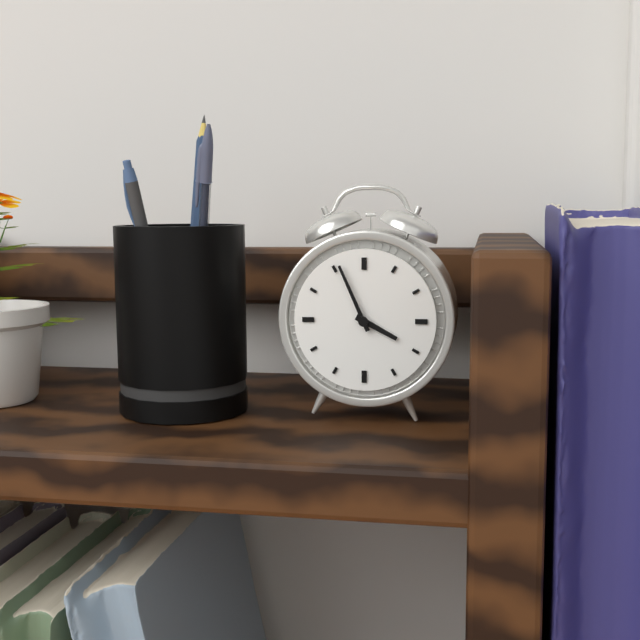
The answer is **3:56**
